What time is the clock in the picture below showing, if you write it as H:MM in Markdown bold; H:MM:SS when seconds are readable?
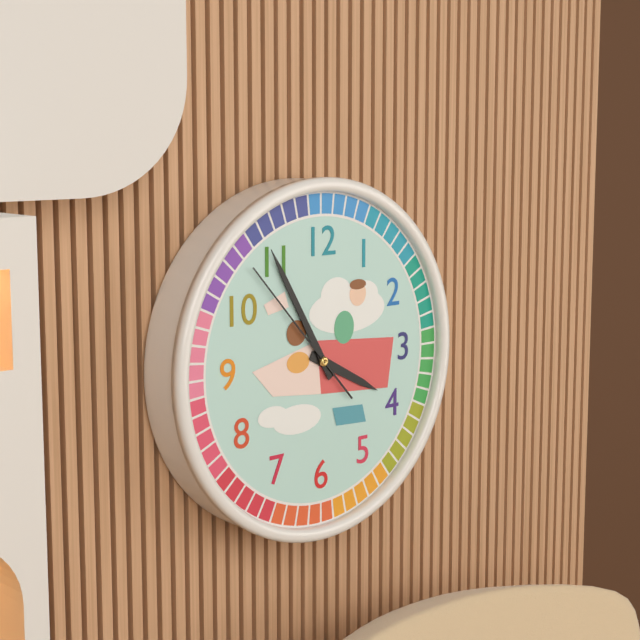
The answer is **3:55:53**
